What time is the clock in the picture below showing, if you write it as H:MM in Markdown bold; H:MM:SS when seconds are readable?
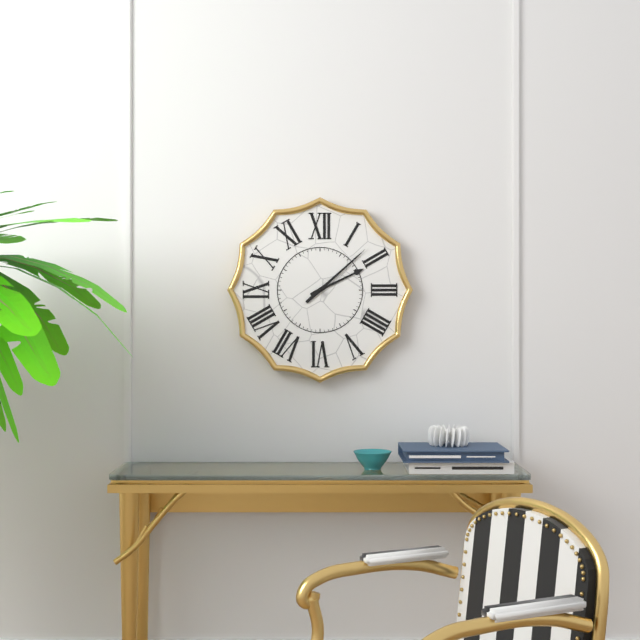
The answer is **2:08**
